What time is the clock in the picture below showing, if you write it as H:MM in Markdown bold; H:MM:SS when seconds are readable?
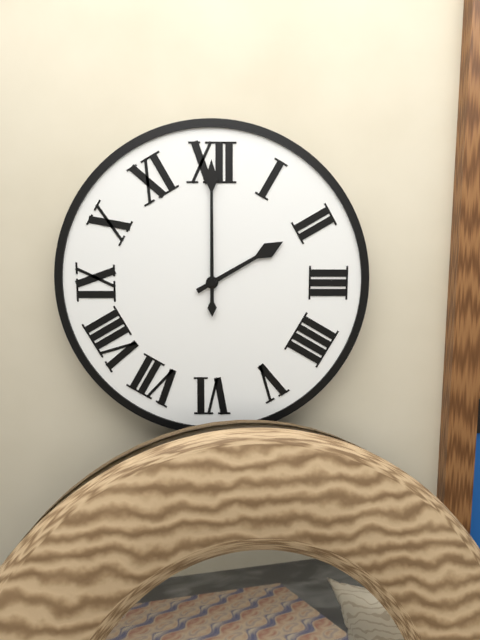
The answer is **2:00**
